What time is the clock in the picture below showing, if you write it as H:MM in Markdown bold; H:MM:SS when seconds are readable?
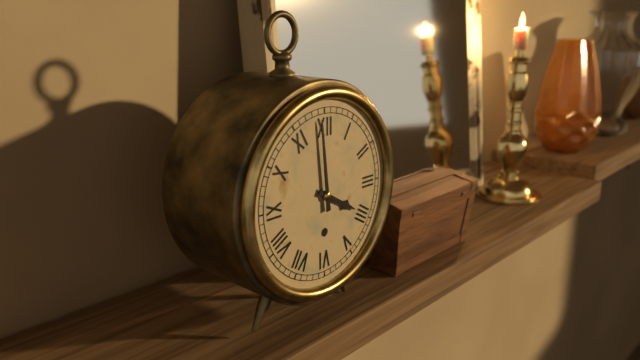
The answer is **3:59**
